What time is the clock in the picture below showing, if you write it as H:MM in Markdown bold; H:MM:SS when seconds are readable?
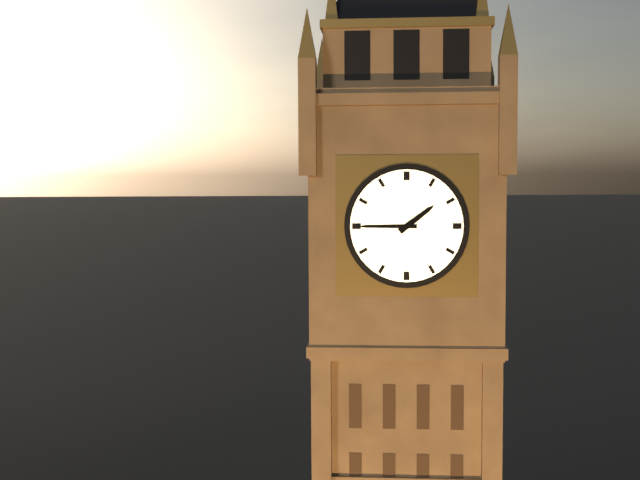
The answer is **1:45**
